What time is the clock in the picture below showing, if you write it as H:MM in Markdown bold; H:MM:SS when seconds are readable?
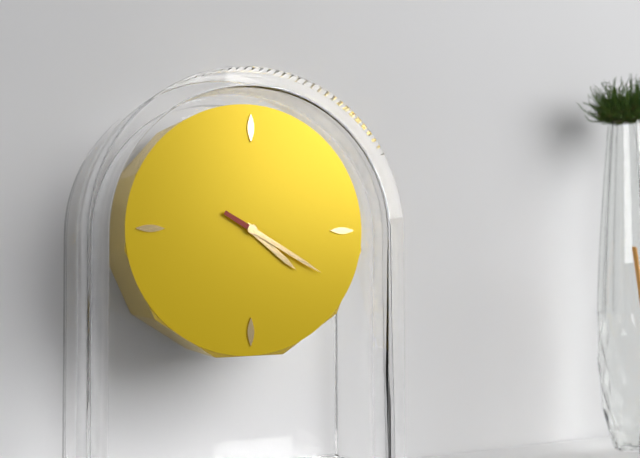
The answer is **4:20**
